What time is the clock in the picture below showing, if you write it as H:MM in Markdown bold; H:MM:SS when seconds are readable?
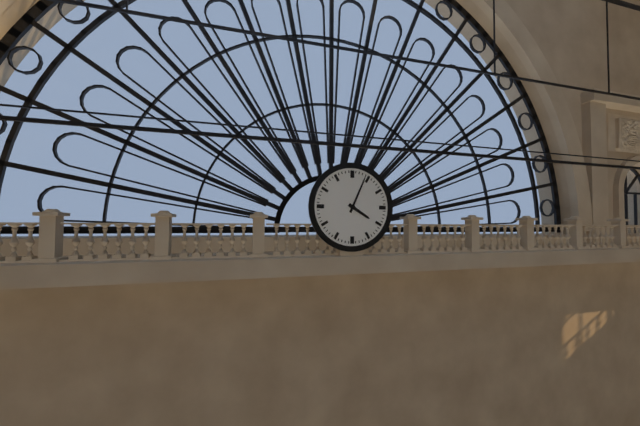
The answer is **4:04**
